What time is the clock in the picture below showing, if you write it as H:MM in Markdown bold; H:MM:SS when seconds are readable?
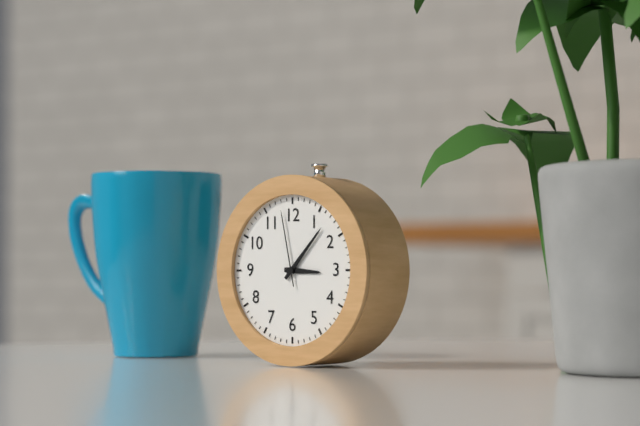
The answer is **3:07:58**
